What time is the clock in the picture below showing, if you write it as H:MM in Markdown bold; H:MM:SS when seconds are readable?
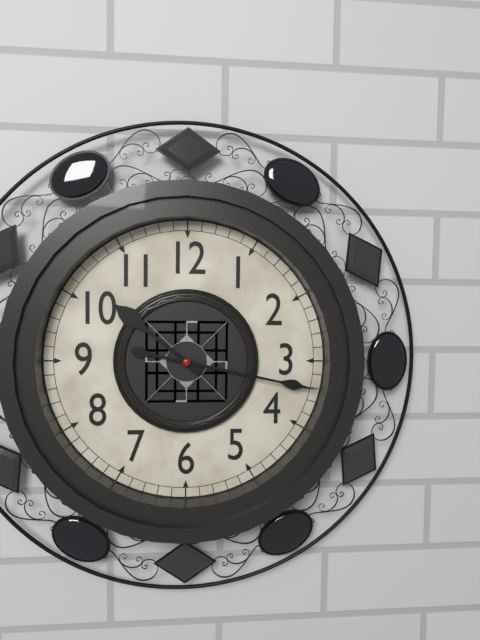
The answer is **10:17**
